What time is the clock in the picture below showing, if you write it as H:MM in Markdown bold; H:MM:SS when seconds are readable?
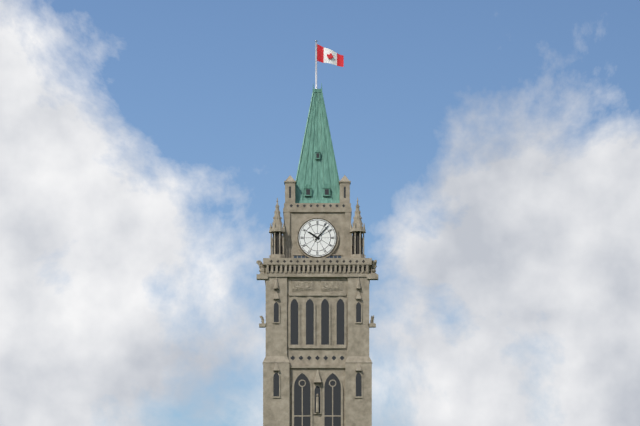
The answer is **10:07**
